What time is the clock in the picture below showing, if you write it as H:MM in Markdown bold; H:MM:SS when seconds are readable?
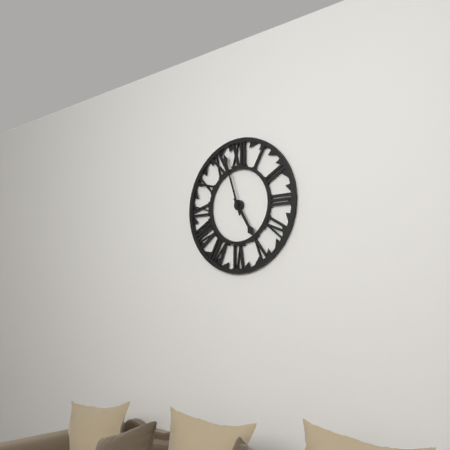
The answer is **4:57**
